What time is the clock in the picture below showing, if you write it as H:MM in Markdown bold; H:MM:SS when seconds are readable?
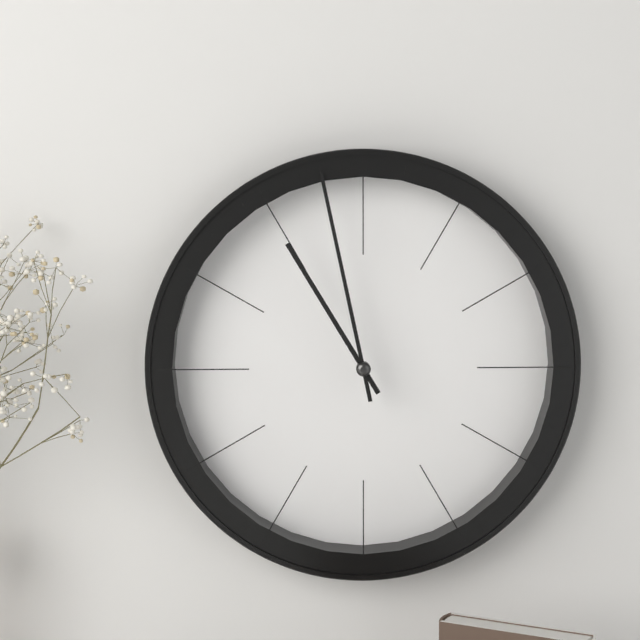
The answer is **10:58**
